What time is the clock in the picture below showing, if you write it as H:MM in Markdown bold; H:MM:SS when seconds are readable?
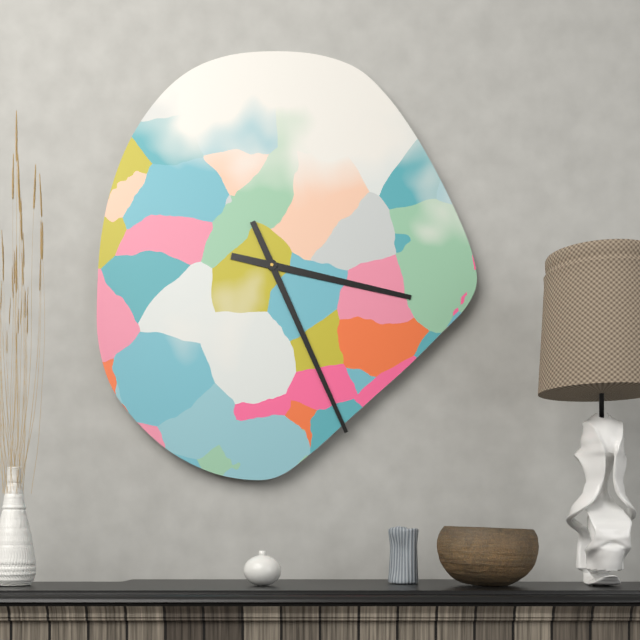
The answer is **3:26**
